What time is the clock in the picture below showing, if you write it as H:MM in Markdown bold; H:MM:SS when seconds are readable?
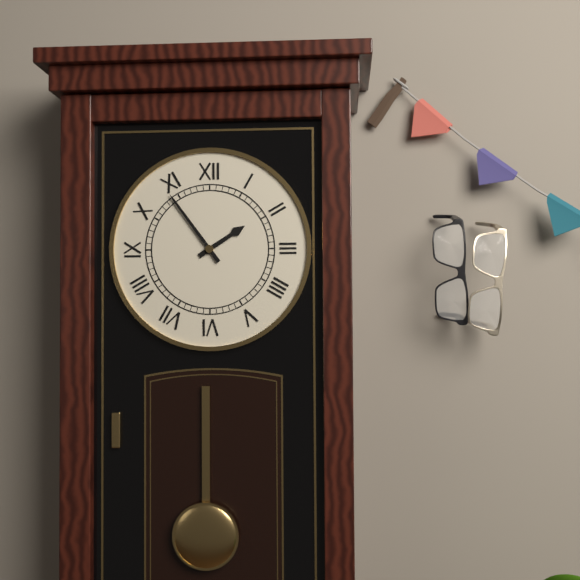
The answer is **1:54**
